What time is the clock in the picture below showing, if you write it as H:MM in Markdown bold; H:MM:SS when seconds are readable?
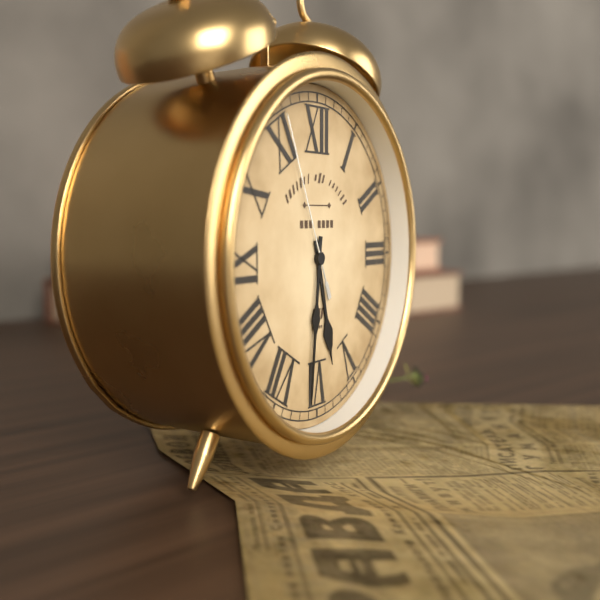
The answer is **5:31:56**
